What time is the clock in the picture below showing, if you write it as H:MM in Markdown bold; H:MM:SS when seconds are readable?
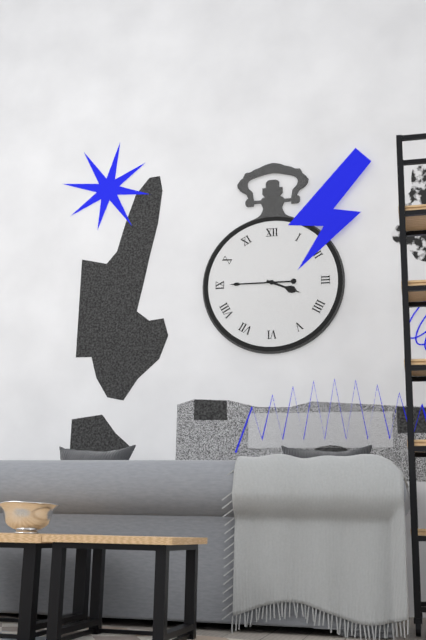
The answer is **3:45**
